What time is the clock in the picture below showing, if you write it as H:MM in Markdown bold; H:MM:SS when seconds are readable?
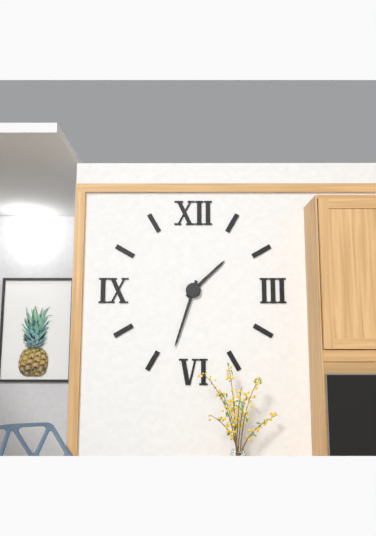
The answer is **1:33**
